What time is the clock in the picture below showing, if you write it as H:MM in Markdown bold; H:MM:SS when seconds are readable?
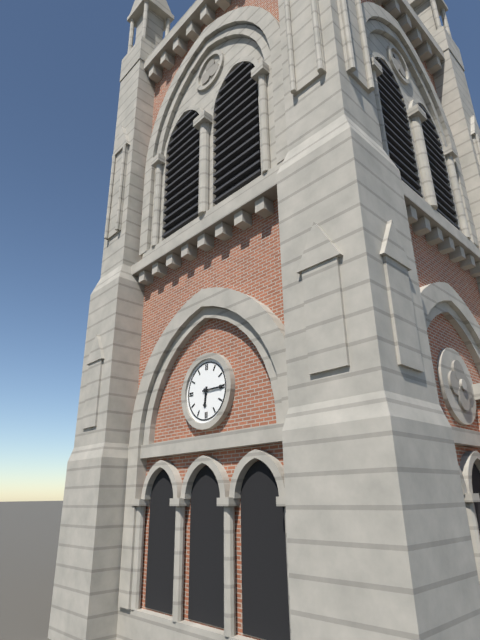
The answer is **6:15**
